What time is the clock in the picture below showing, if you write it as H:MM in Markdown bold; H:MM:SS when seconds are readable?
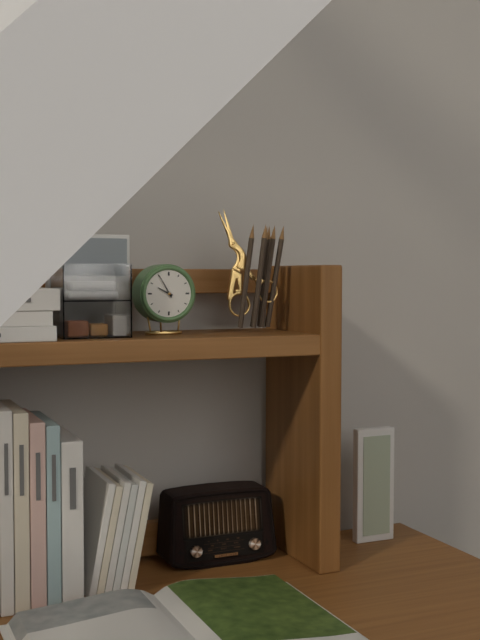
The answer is **9:55**
